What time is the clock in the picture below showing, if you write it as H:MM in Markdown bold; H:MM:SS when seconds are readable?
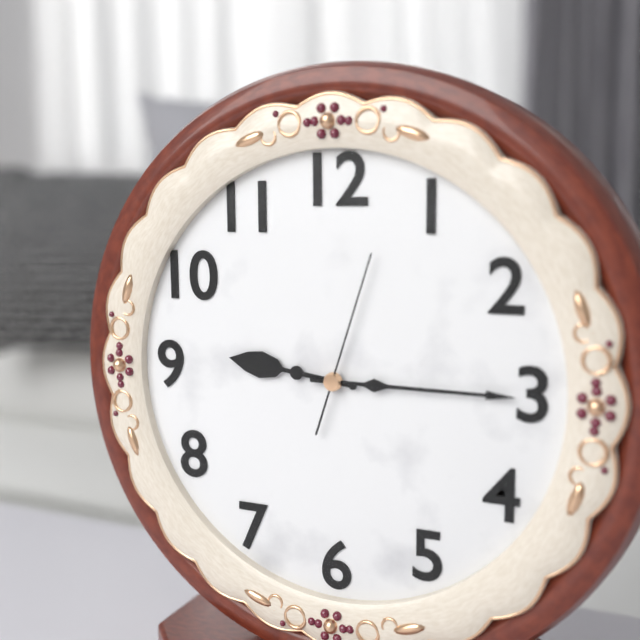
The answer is **9:15:03**
